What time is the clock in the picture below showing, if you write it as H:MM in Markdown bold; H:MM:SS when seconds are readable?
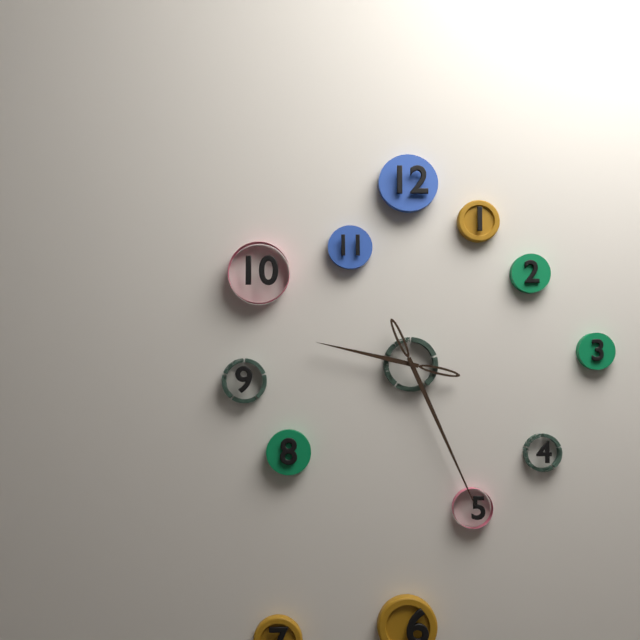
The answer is **9:26**
